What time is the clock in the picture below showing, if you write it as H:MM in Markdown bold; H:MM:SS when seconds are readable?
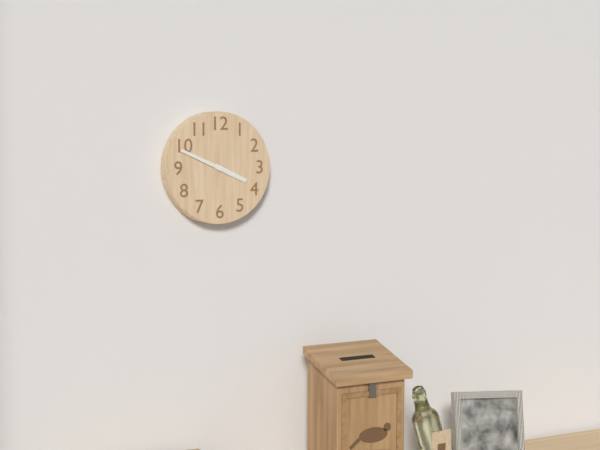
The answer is **3:49**
